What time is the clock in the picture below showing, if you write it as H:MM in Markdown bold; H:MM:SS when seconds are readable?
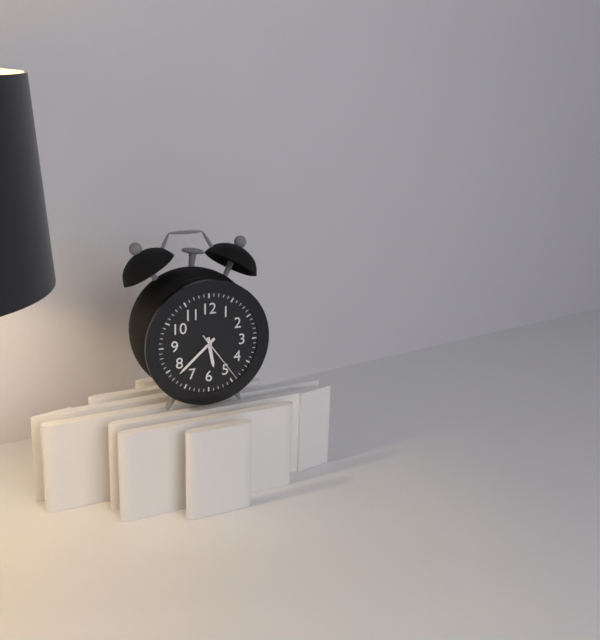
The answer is **5:38:24**
